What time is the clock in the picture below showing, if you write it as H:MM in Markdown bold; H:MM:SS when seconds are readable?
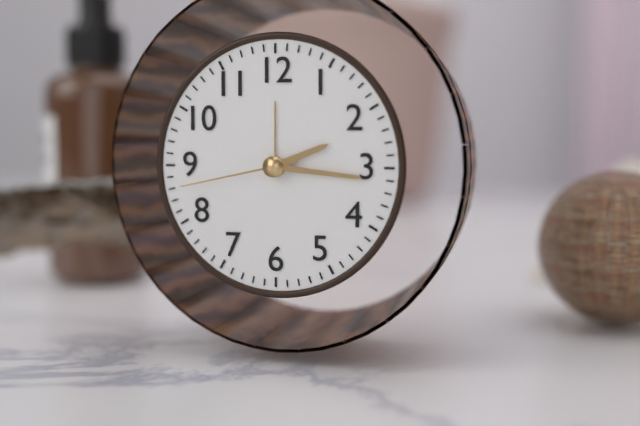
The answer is **2:16:43**
